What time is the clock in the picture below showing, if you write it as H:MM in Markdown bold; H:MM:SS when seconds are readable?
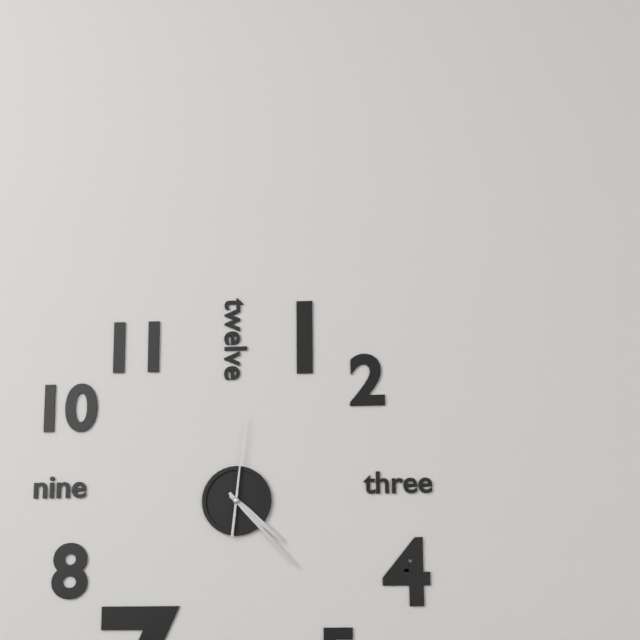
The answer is **4:23:01**
